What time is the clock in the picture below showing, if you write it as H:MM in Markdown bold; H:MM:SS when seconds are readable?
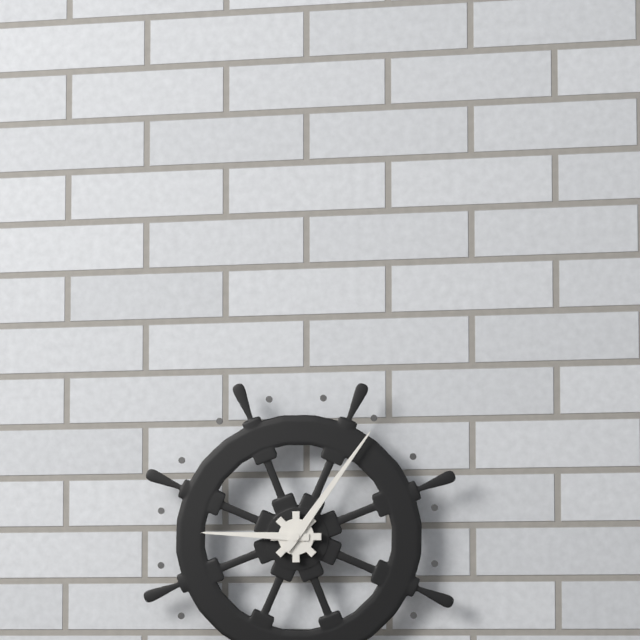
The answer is **9:06**
